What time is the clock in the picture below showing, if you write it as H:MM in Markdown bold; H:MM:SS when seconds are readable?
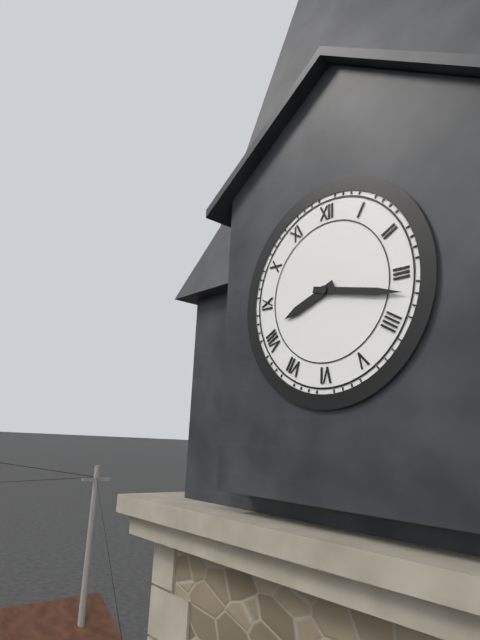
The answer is **8:17**
